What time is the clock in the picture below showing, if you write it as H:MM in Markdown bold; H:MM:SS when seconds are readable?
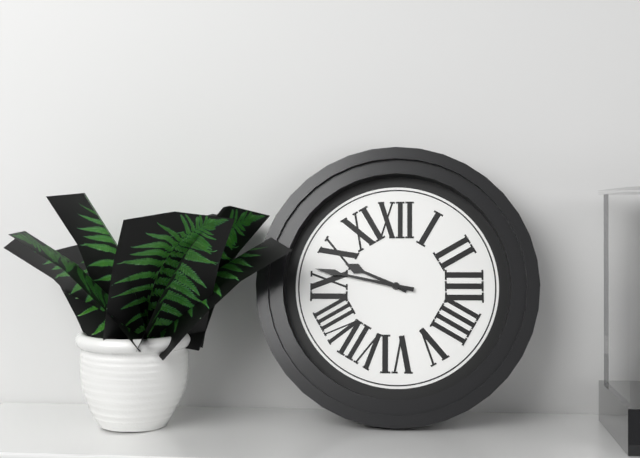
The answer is **9:47**
